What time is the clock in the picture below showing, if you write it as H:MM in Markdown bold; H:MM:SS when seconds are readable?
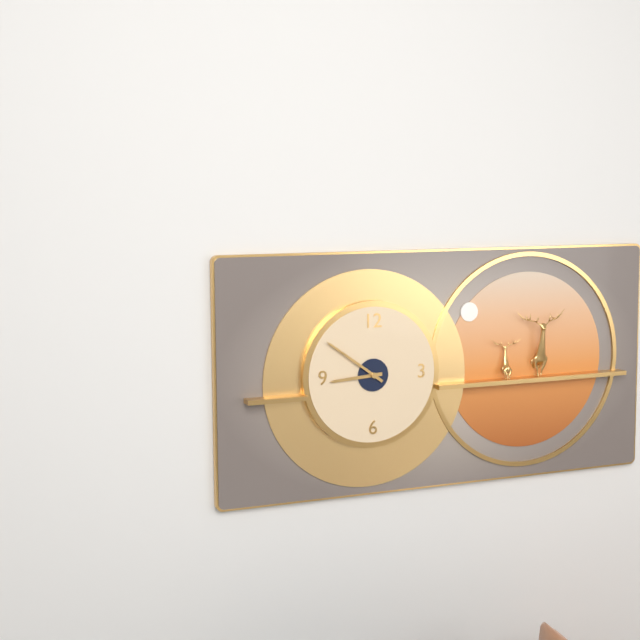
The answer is **8:51**
